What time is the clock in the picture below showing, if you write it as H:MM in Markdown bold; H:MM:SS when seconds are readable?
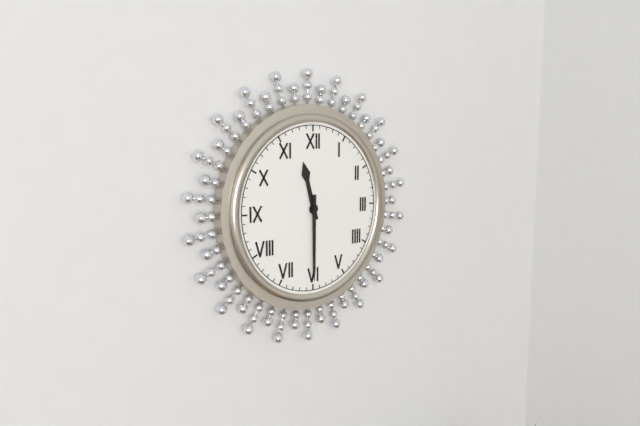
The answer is **11:30**
